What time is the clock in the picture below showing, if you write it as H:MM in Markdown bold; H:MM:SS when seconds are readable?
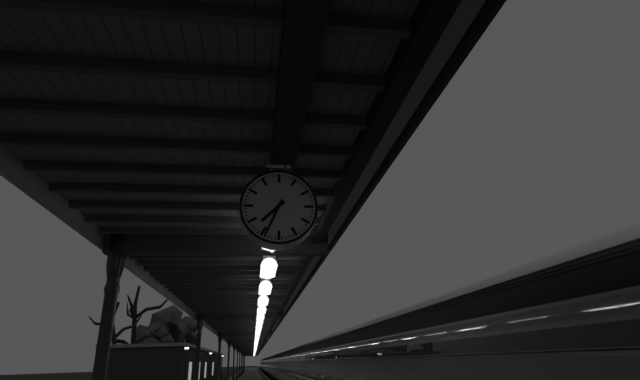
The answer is **7:34**
